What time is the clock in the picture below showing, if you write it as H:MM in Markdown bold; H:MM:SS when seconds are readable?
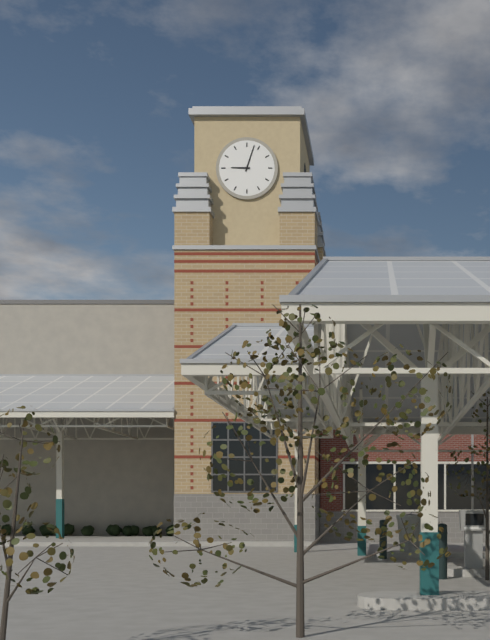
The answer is **9:03**
